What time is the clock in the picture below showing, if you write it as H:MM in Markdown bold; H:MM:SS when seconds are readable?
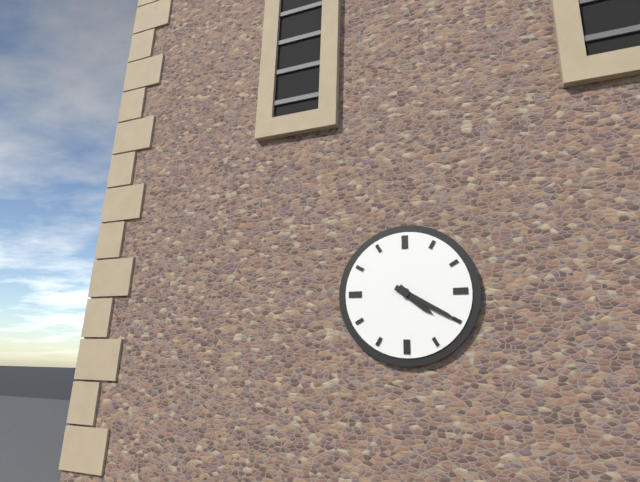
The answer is **4:20**
